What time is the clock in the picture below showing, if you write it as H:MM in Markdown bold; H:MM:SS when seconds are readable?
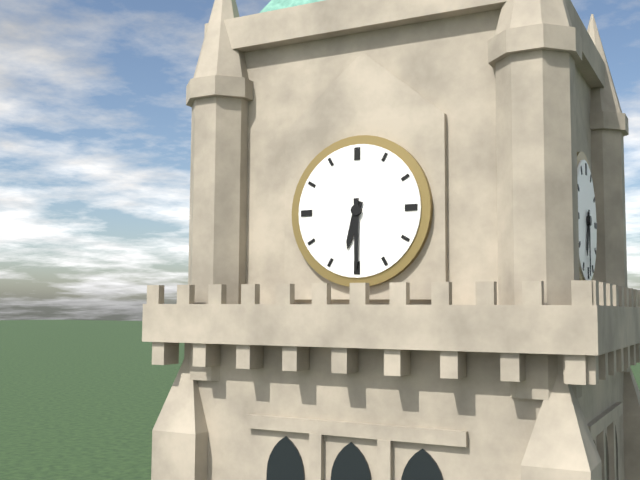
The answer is **6:30**
